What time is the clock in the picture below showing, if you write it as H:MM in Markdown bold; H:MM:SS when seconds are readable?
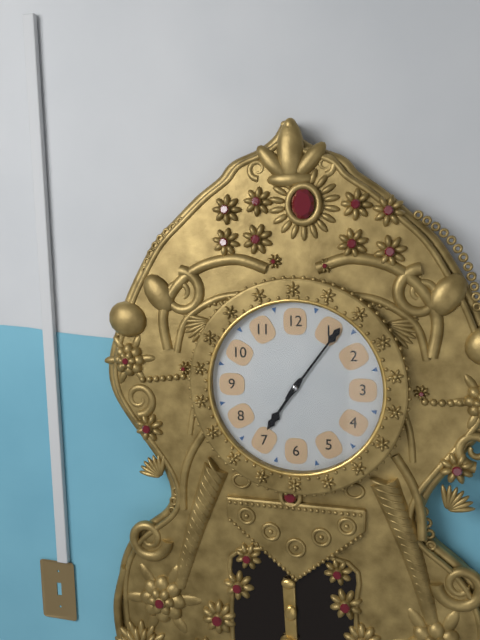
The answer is **7:06**
